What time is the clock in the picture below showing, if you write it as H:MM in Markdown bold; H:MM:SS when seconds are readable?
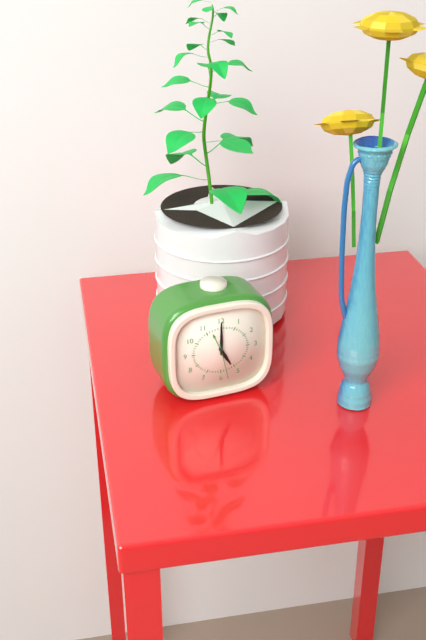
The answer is **5:00**
